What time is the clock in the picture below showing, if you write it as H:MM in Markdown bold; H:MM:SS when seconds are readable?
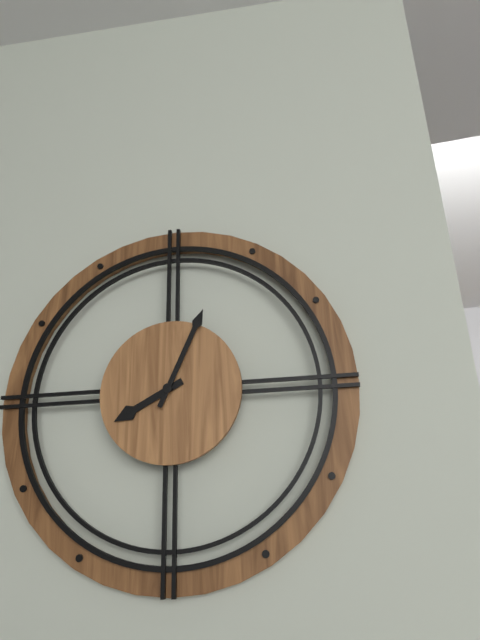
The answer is **8:04**
